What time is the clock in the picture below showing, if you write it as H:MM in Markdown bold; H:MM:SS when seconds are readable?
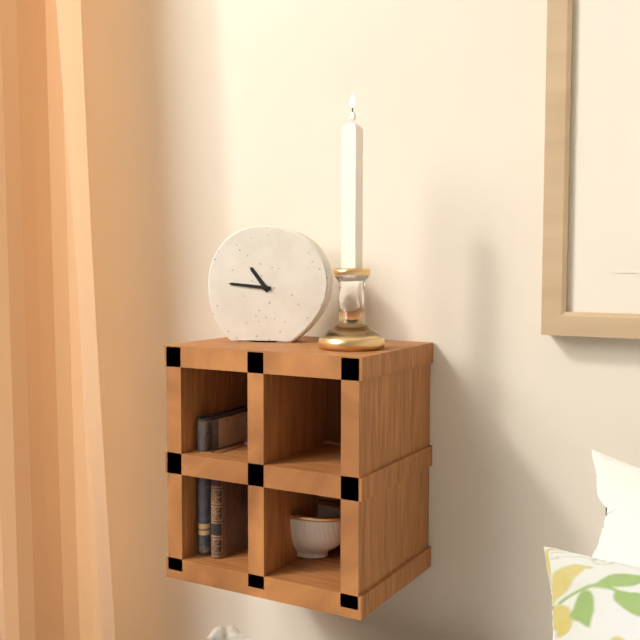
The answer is **10:46**
